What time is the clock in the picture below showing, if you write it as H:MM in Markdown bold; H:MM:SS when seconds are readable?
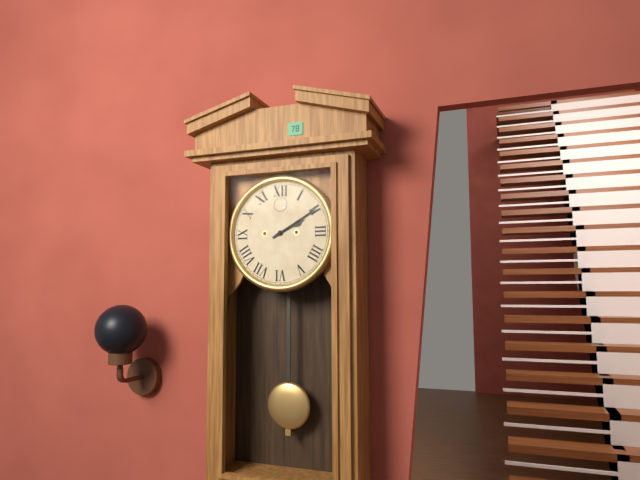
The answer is **2:10**
